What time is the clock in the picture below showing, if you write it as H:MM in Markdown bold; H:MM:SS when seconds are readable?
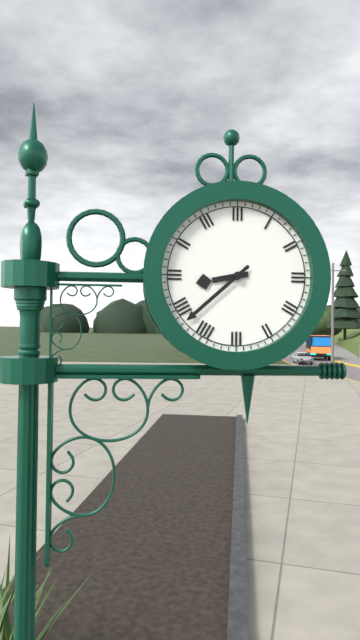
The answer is **8:38**
